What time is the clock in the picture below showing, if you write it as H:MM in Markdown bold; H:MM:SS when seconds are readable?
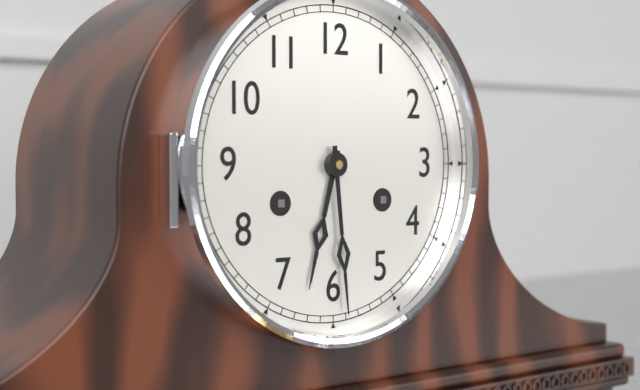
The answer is **6:29**
